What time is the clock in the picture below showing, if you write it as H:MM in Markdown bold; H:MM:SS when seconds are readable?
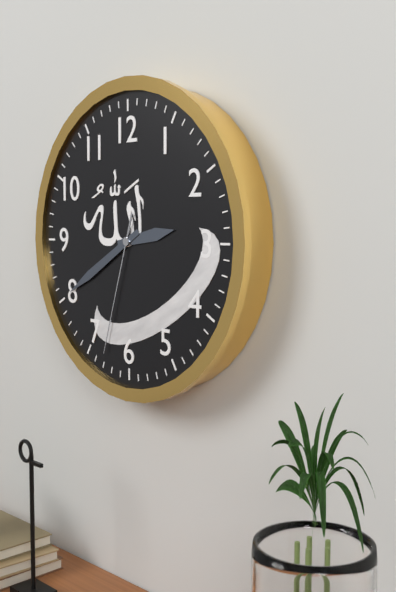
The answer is **2:40:33**
